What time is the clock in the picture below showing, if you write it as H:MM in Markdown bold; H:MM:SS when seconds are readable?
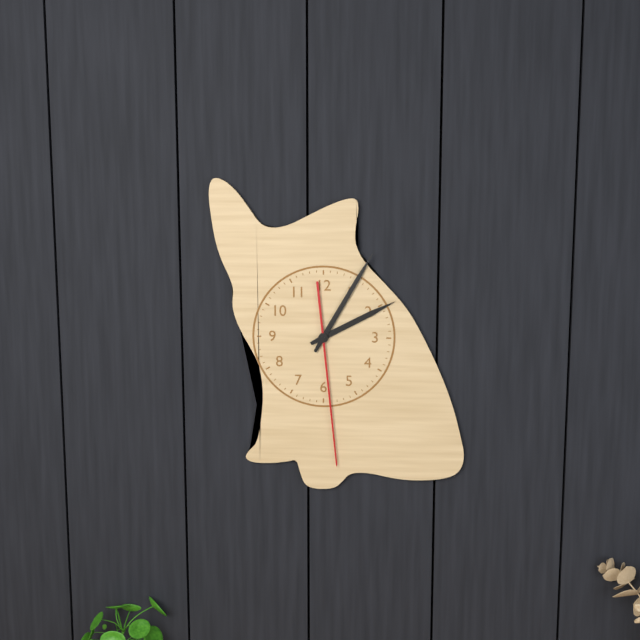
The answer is **2:05:29**
